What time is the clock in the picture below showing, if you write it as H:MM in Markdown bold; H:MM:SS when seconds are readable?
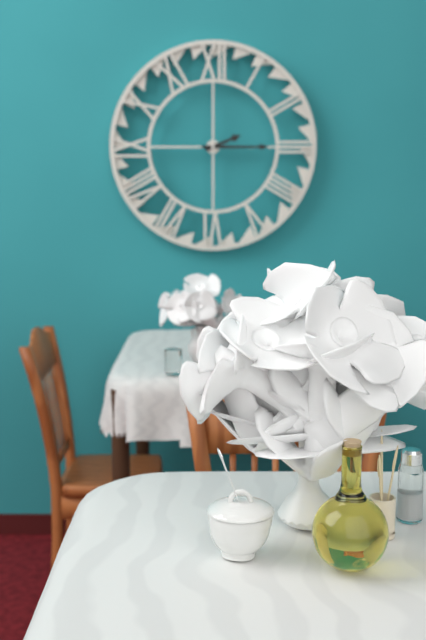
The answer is **2:15**
